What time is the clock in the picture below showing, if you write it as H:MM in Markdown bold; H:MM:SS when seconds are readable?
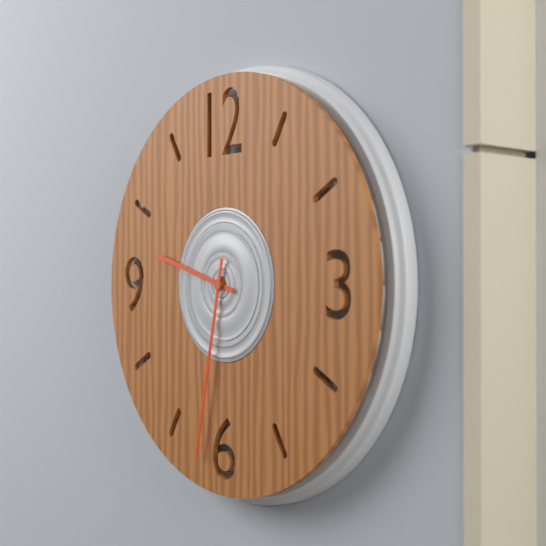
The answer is **9:32**
